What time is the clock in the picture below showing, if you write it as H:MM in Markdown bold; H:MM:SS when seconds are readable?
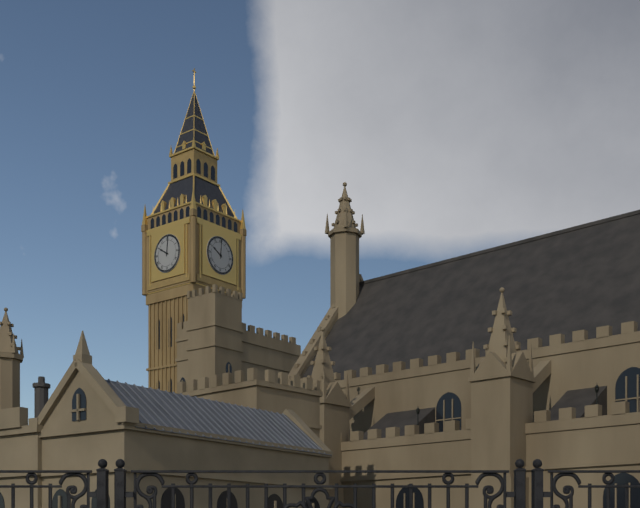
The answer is **10:01**
